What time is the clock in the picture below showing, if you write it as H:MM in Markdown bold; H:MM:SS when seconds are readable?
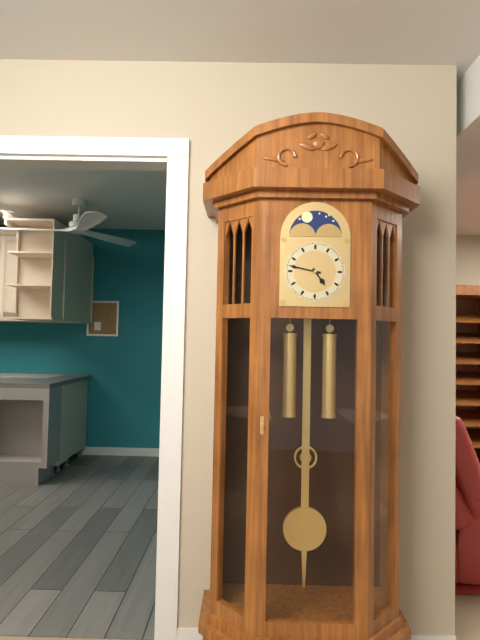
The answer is **4:47**
